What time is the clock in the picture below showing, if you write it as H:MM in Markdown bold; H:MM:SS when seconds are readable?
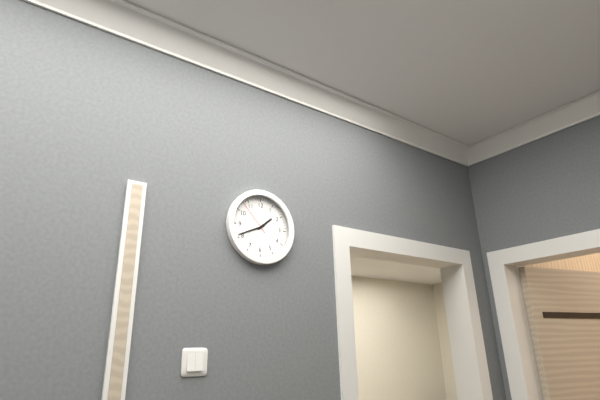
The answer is **1:41**
